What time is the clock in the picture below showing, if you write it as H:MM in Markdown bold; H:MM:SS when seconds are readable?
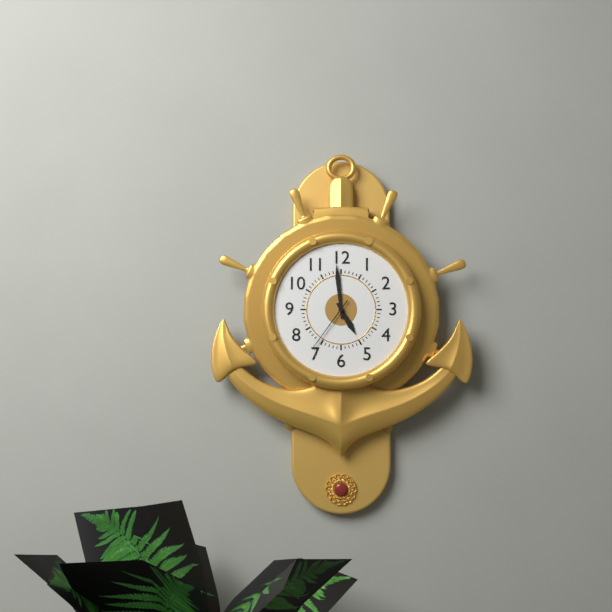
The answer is **4:59:36**
